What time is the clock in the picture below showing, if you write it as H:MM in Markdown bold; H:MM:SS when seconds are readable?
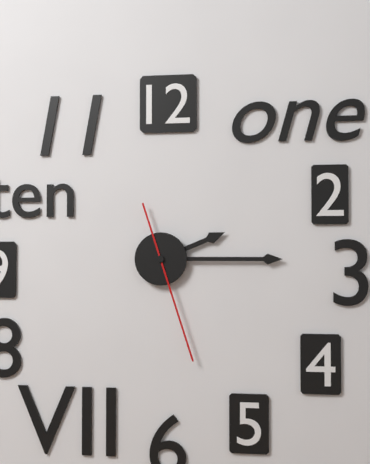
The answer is **2:15:27**
